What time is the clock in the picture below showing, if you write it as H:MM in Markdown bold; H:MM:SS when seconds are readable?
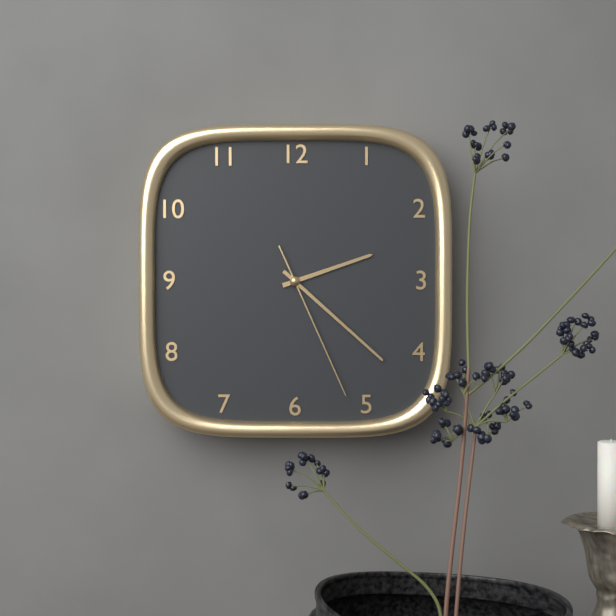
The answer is **2:22:26**
